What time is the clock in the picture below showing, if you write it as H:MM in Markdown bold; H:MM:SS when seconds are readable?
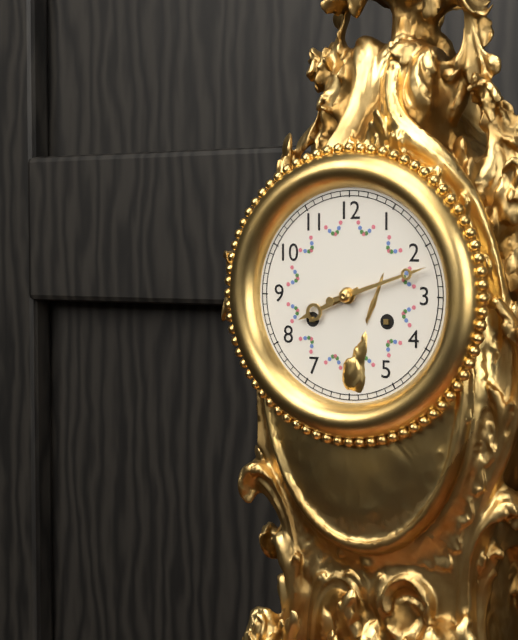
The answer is **8:12**
